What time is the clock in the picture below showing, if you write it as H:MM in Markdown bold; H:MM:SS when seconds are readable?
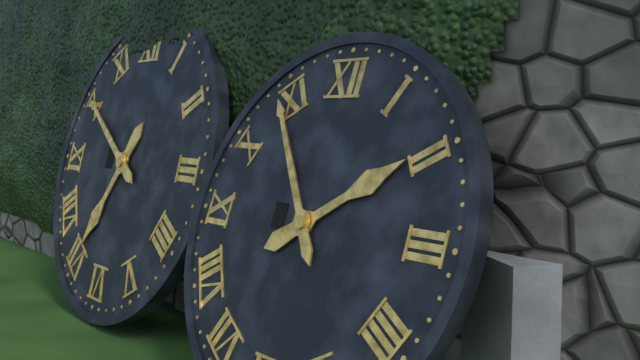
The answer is **1:54**
